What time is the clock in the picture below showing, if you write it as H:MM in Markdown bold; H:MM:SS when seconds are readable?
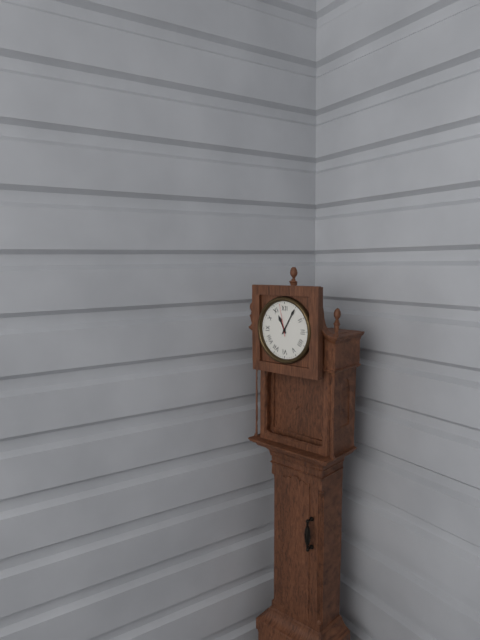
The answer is **11:05**
